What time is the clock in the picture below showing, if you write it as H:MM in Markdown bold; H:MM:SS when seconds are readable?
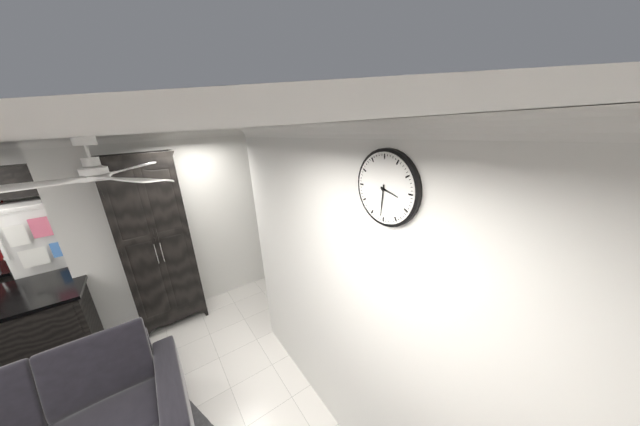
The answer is **3:31**
